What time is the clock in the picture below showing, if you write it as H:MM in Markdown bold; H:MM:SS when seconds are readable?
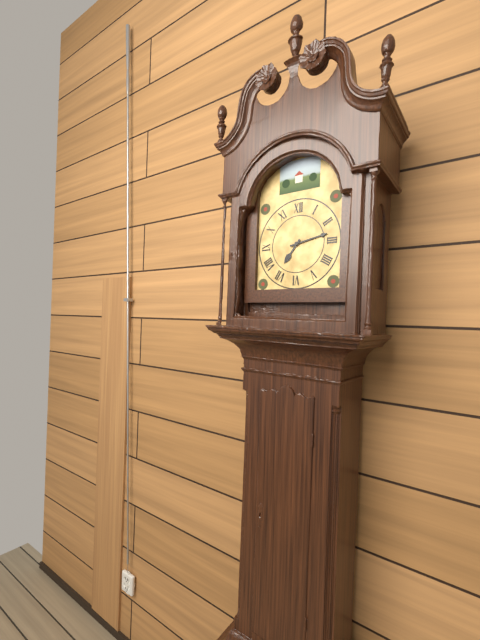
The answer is **7:13**
